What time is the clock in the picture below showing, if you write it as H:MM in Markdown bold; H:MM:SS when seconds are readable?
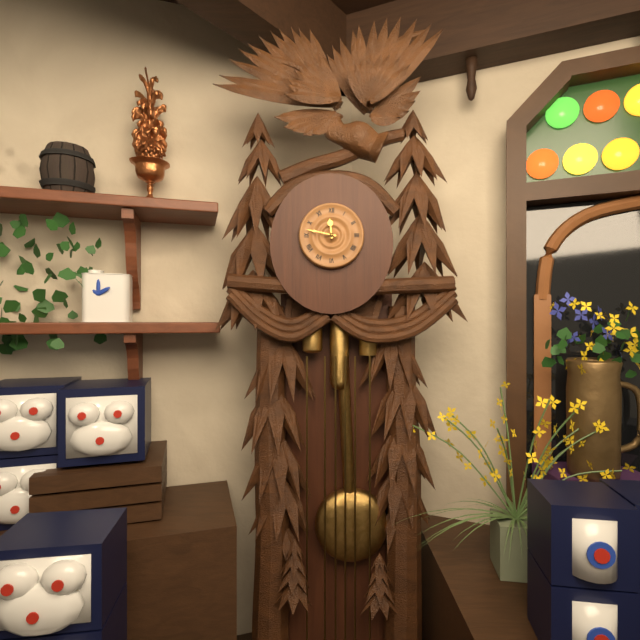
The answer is **11:47**
